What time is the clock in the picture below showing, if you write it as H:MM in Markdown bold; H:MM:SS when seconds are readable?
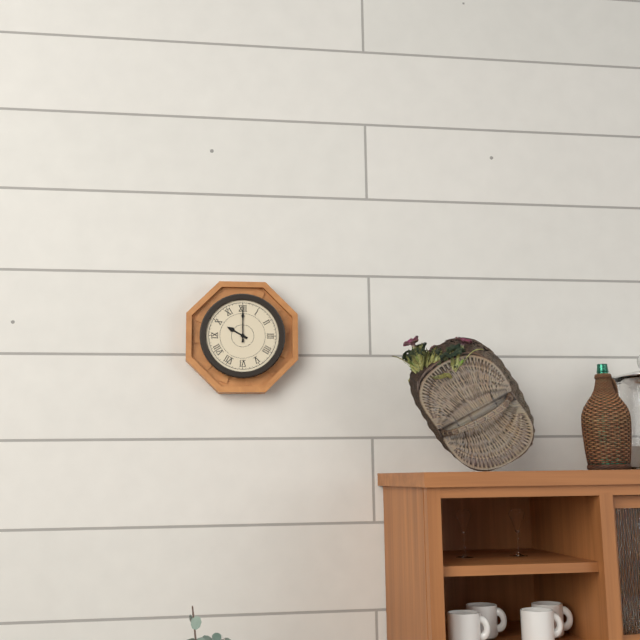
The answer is **10:00**
